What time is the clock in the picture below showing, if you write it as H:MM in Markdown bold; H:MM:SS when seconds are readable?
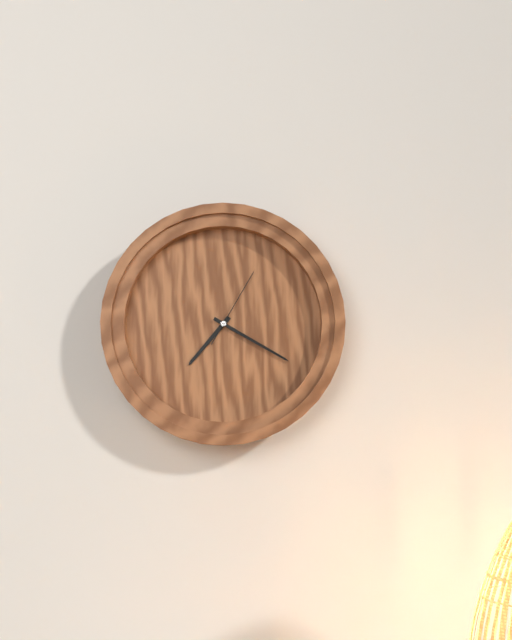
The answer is **7:20:05**
